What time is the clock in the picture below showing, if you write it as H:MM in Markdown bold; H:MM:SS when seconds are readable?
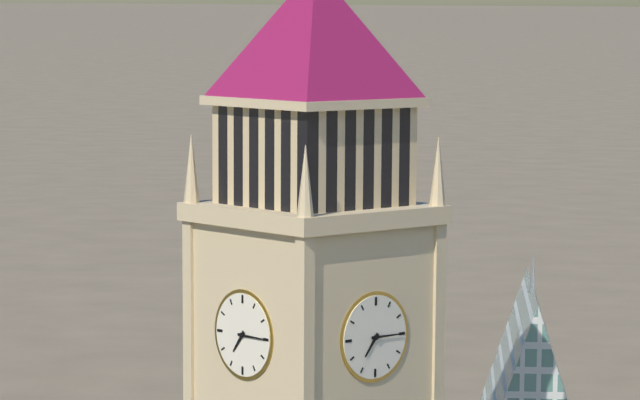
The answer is **7:15**
